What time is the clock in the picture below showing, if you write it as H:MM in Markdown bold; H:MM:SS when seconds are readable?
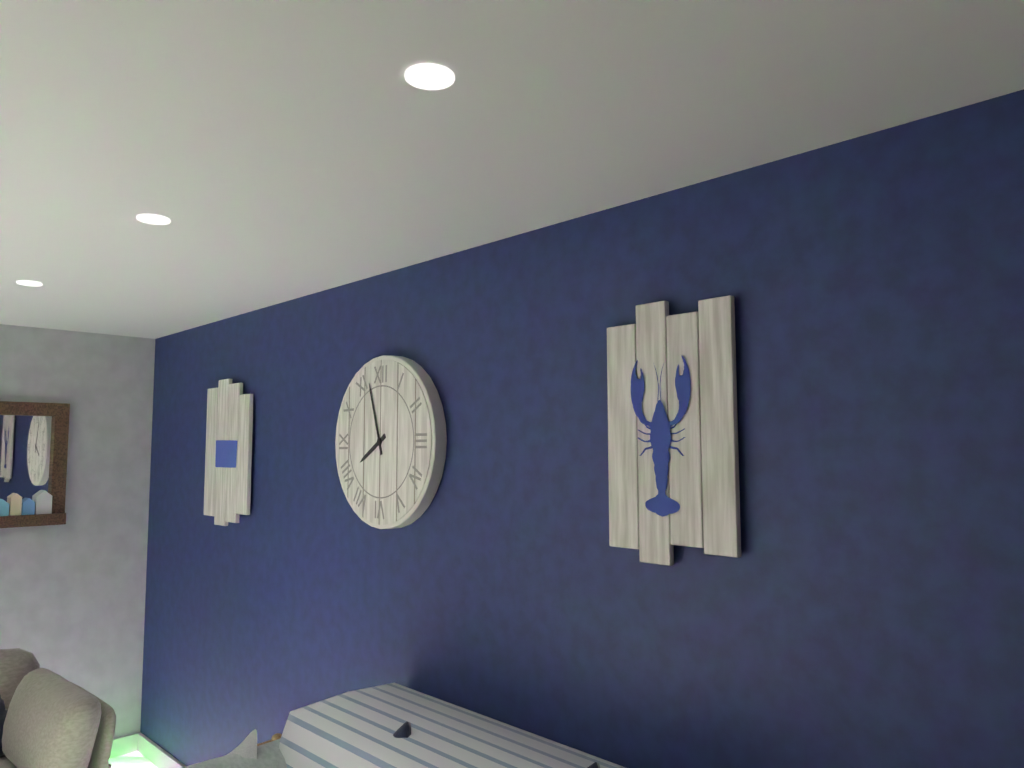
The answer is **7:57**
